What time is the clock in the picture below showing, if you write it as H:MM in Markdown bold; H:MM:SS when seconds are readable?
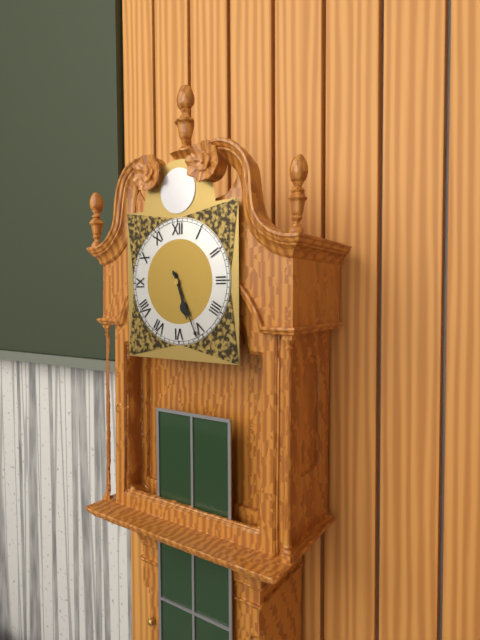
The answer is **5:26**
